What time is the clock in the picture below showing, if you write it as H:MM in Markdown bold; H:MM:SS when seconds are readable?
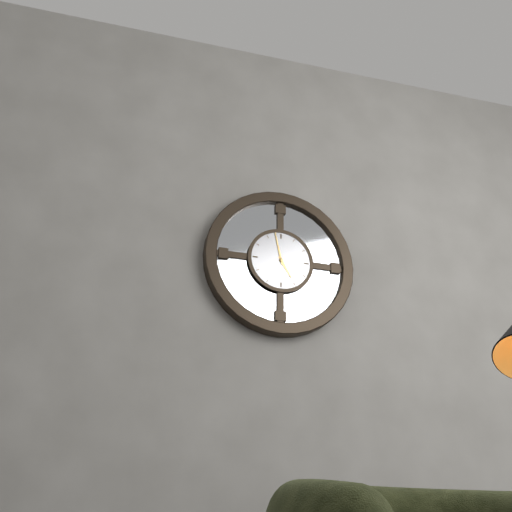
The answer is **4:58**
